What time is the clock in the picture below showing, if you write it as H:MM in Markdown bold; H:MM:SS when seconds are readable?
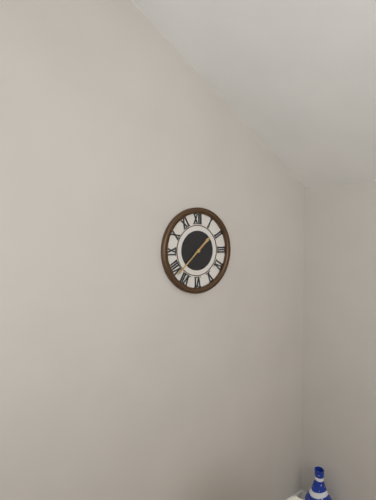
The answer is **1:38**
